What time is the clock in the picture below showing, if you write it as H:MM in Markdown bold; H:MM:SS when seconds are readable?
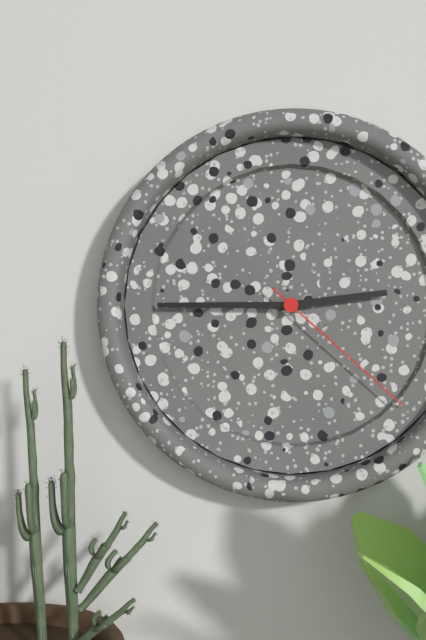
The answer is **2:45:22**
